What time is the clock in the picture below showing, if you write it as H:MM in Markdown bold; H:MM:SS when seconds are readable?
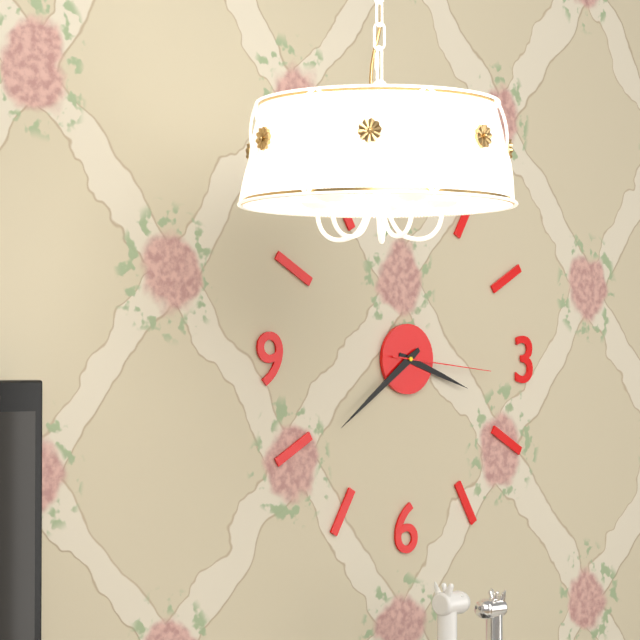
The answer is **3:39:16**
